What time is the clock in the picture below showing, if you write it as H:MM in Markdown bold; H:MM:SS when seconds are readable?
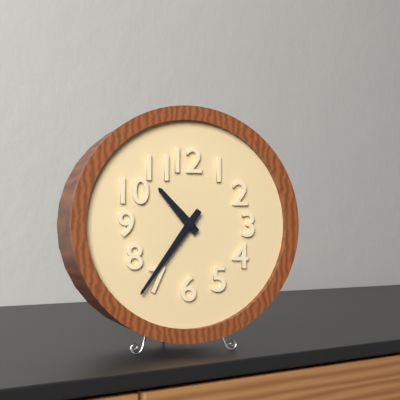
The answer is **10:36**
